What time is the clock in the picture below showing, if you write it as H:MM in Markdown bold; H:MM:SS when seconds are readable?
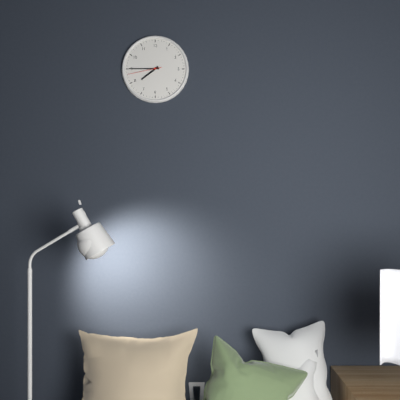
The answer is **7:45**
